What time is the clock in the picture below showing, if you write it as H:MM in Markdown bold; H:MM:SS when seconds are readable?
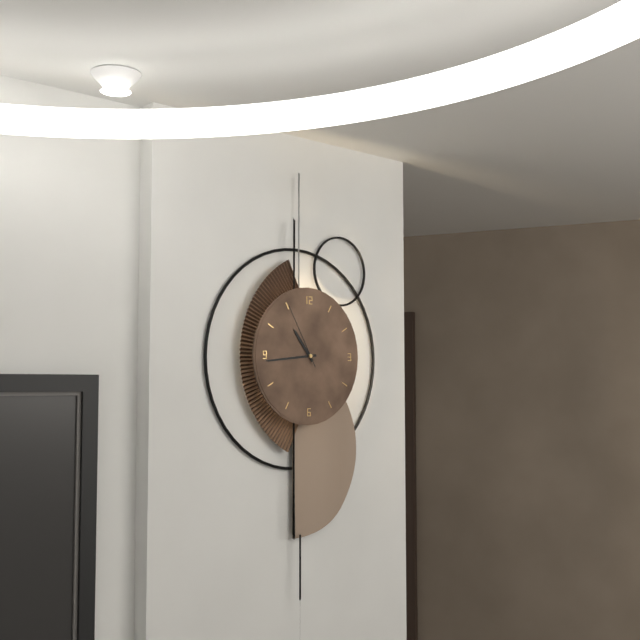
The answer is **10:44:55**
